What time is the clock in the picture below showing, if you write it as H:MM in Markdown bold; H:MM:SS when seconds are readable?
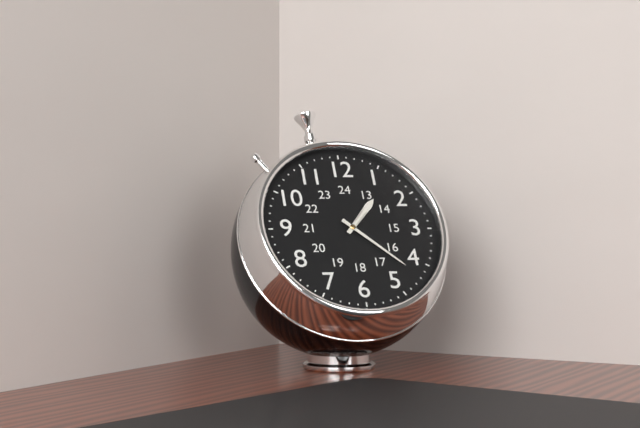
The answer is **1:22**
